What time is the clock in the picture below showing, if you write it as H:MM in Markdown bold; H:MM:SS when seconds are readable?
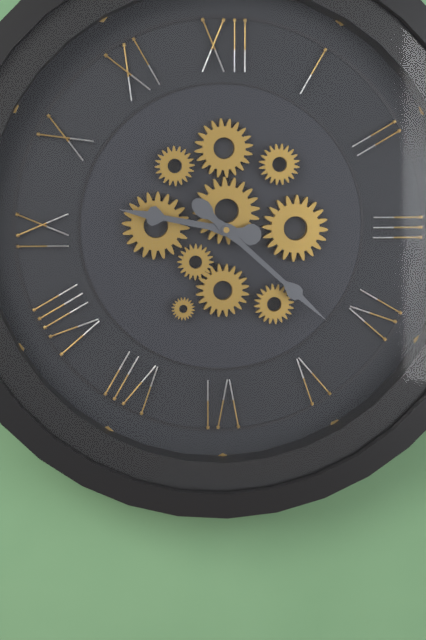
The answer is **9:22**
